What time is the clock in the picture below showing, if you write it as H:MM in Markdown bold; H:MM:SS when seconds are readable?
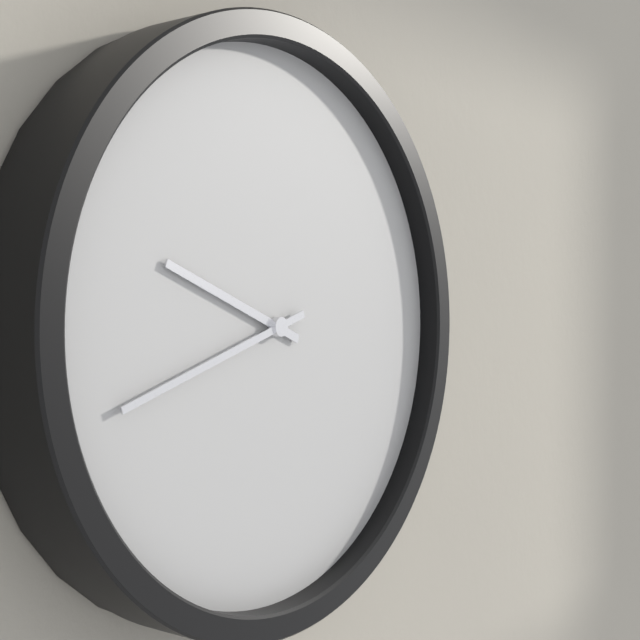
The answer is **9:42**
